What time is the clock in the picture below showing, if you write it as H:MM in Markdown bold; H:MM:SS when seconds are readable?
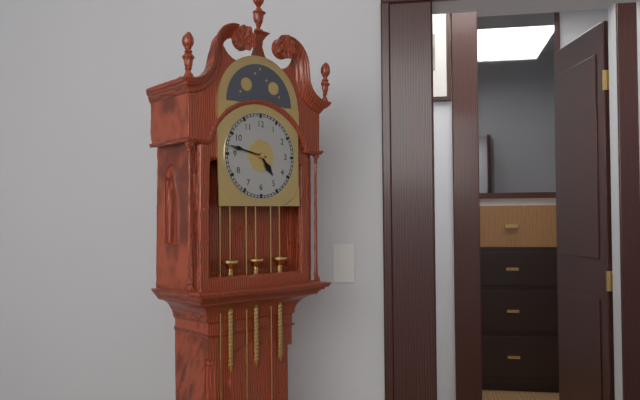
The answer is **4:47**
